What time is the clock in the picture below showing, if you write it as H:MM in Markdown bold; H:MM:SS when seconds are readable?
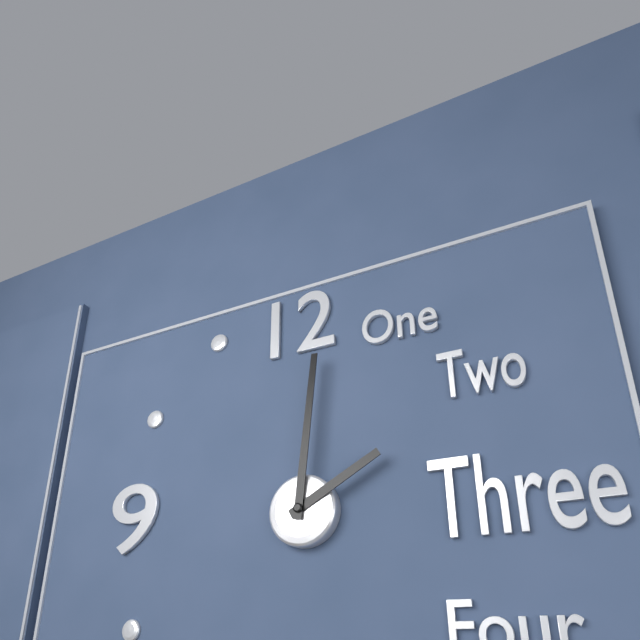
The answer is **2:01**
